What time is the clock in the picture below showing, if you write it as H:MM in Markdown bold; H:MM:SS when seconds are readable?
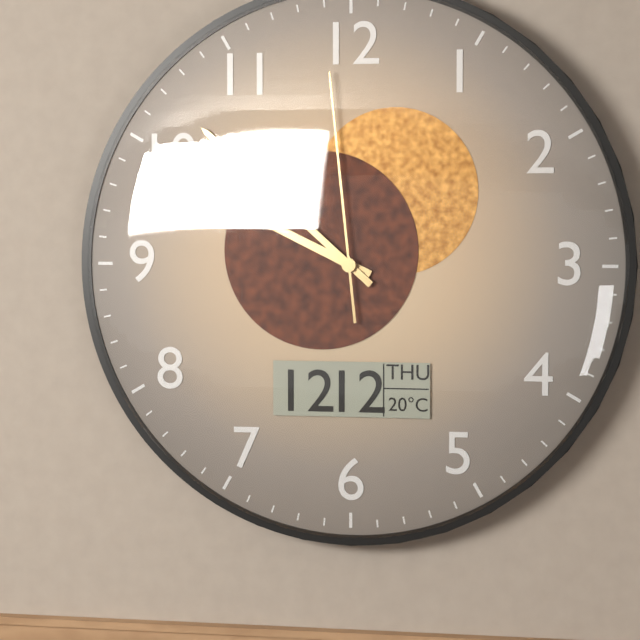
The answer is **9:52:59**
